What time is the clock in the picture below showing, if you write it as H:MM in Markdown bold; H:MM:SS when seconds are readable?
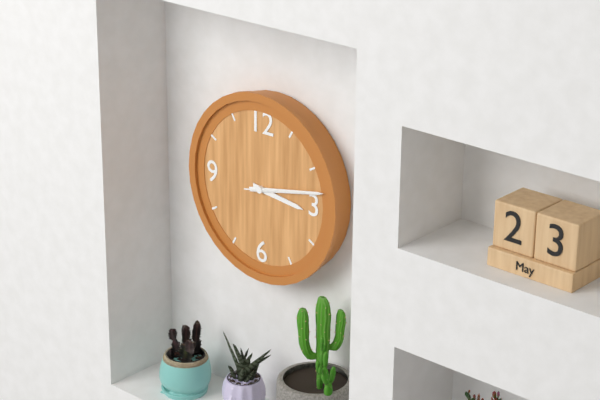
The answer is **3:13:13**
